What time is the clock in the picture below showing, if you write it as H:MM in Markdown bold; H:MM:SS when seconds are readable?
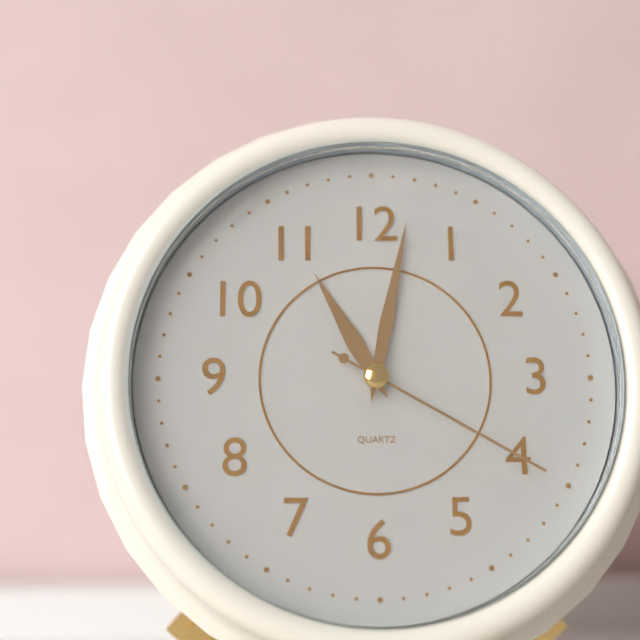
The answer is **11:02:20**
